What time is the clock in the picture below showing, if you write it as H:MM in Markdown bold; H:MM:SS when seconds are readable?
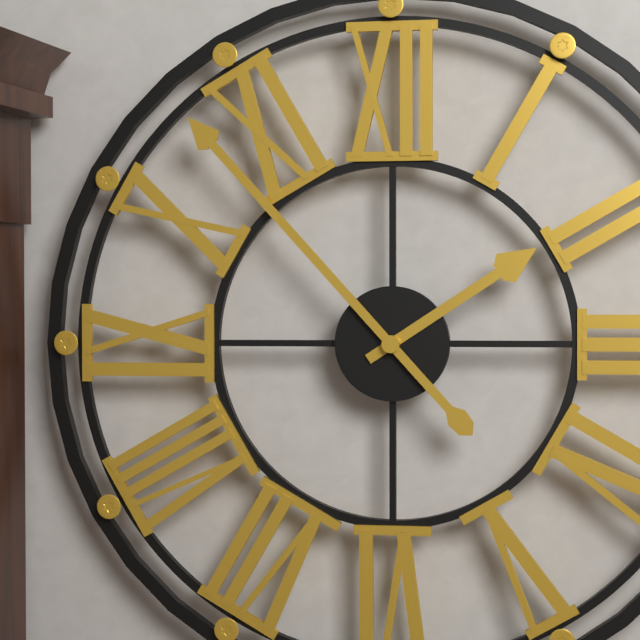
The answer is **1:53**
